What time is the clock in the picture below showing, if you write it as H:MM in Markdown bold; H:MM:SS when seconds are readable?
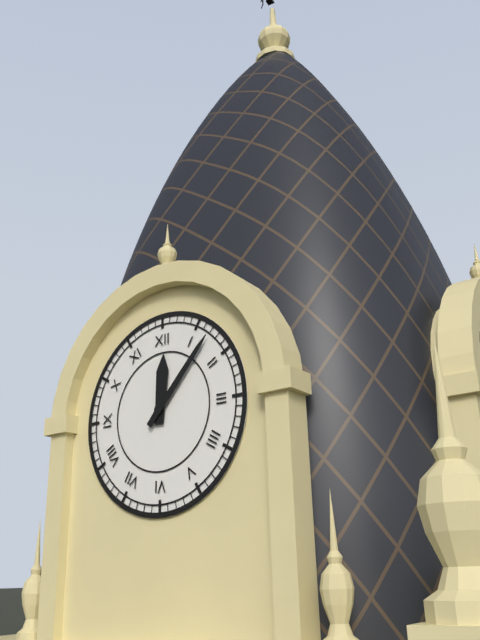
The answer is **12:07**
